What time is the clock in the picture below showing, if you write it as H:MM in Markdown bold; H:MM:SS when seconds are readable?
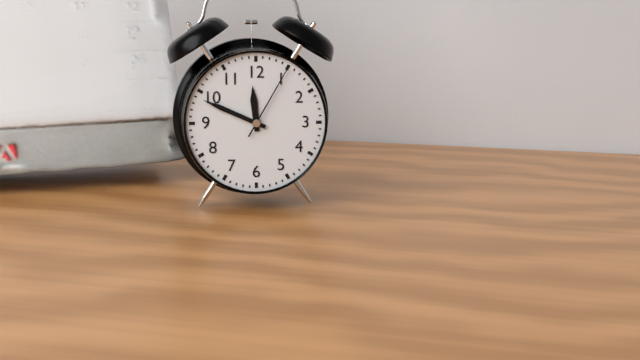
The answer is **11:49:05**
